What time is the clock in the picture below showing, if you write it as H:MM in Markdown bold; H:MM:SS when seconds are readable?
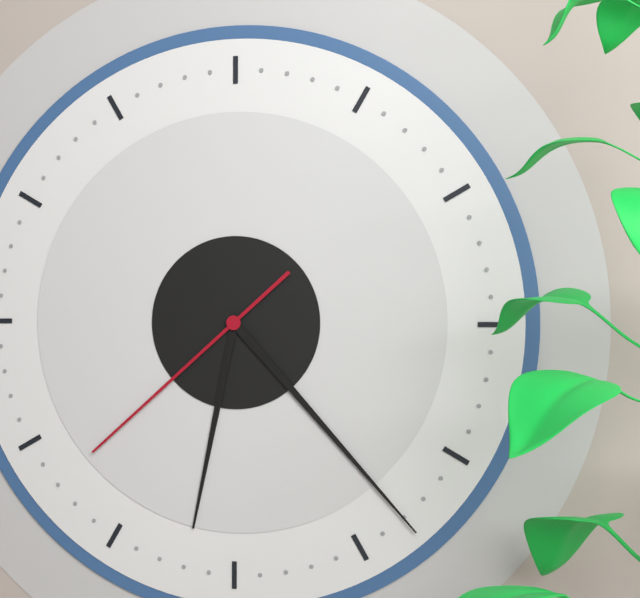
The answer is **6:23:38**
